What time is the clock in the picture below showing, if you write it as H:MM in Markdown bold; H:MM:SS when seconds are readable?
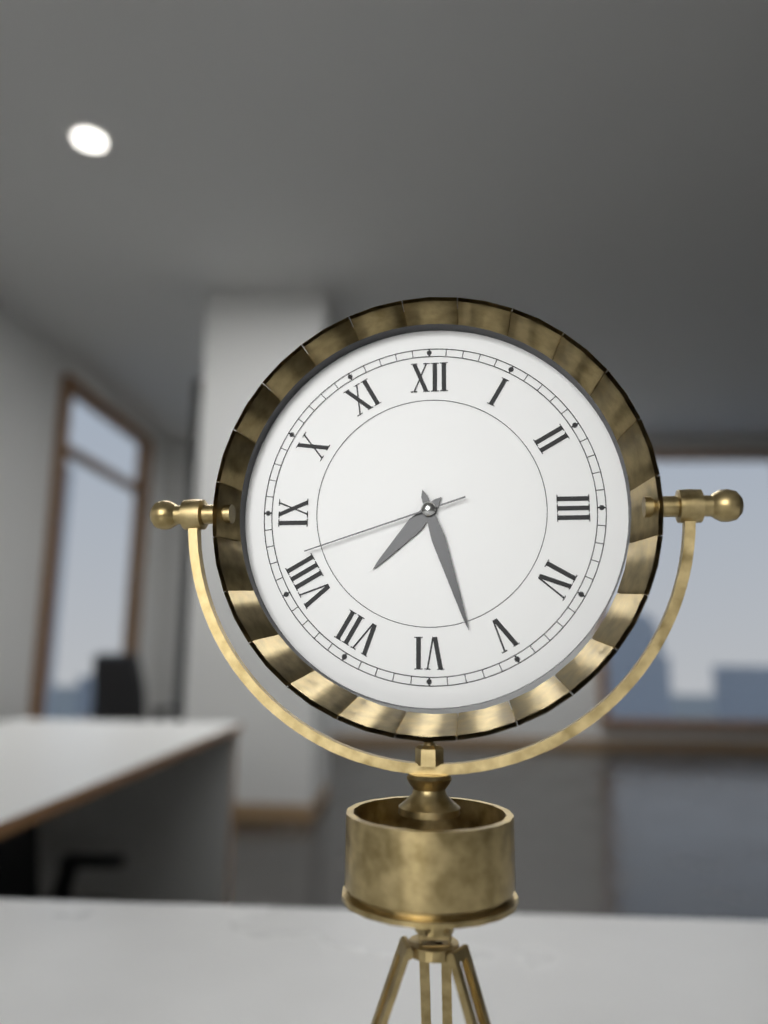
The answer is **7:27:42**
